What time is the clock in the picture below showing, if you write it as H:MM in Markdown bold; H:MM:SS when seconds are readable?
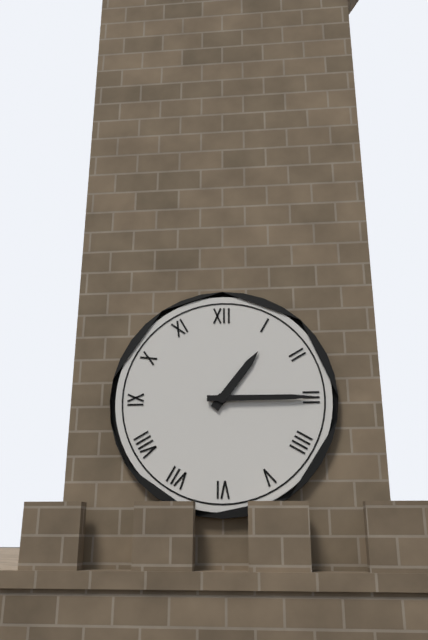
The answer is **1:15**
